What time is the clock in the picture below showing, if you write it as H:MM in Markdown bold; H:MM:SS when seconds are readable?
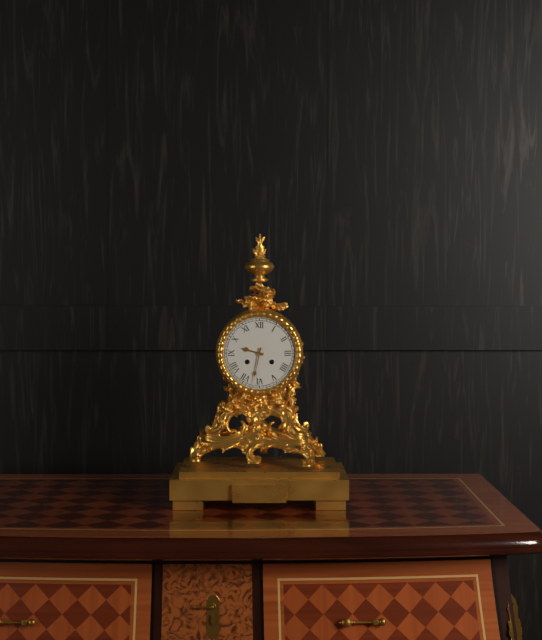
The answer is **9:32**
